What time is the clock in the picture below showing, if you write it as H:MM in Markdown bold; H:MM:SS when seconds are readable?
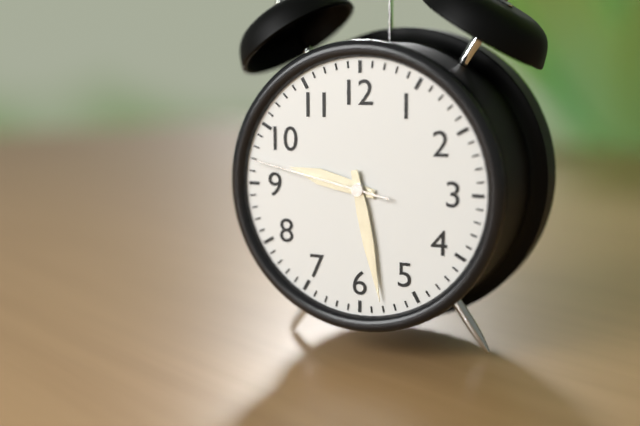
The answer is **9:28:47**
